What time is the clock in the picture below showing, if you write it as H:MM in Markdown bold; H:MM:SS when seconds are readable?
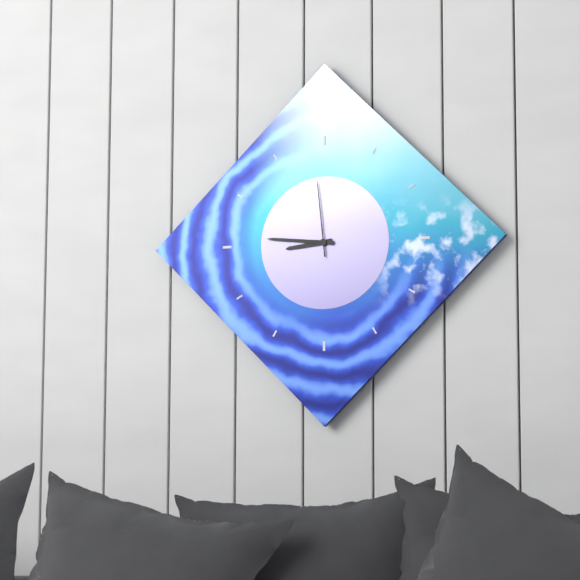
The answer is **8:46:59**
